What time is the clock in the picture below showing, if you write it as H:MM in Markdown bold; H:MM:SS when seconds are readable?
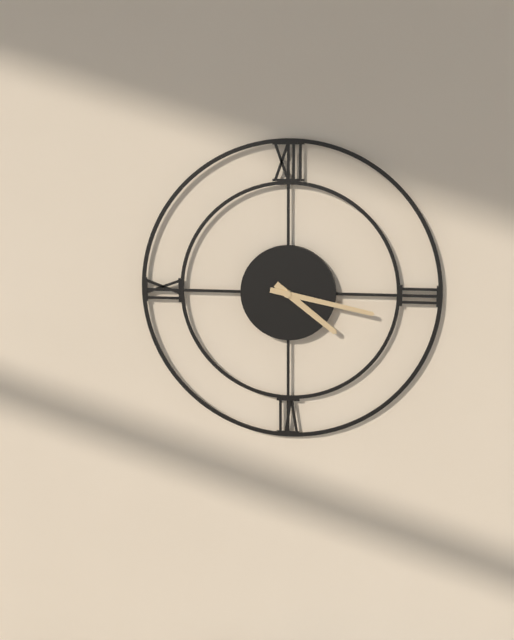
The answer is **4:17**
